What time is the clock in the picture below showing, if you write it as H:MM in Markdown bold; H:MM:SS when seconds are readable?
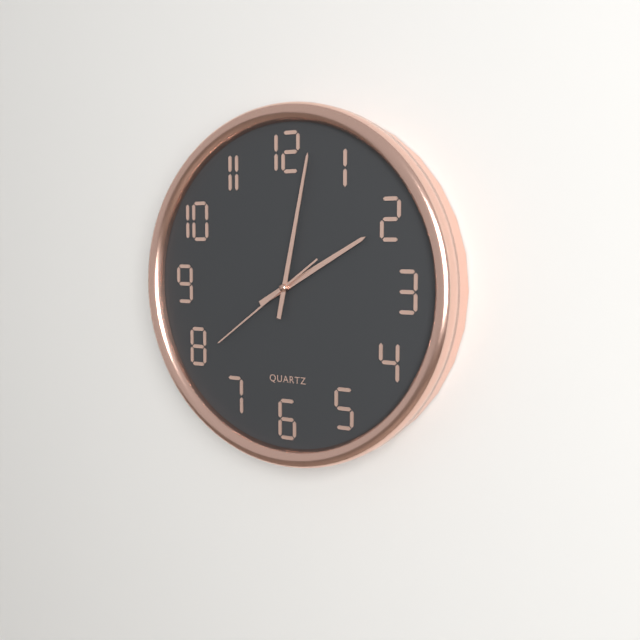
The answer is **2:02:39**
